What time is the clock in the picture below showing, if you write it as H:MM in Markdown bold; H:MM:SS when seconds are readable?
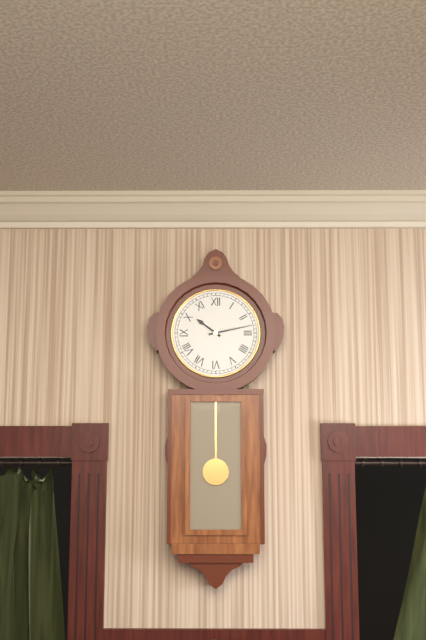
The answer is **10:13**
